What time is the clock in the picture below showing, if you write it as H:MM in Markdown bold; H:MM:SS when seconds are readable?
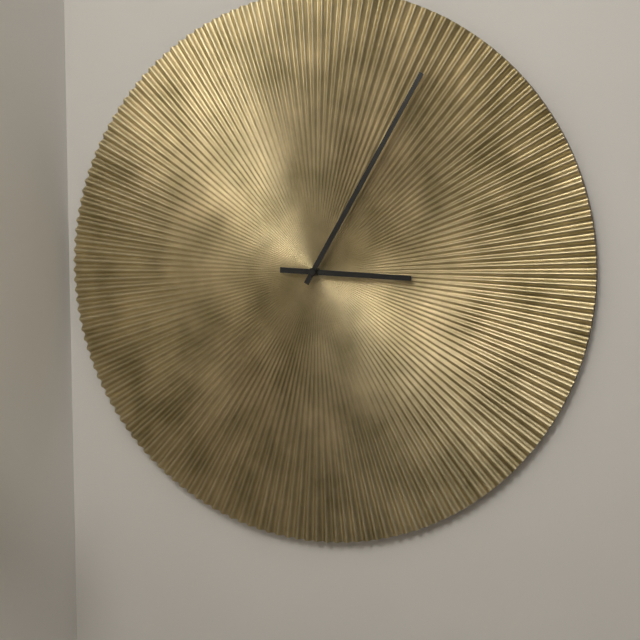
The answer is **3:05**
